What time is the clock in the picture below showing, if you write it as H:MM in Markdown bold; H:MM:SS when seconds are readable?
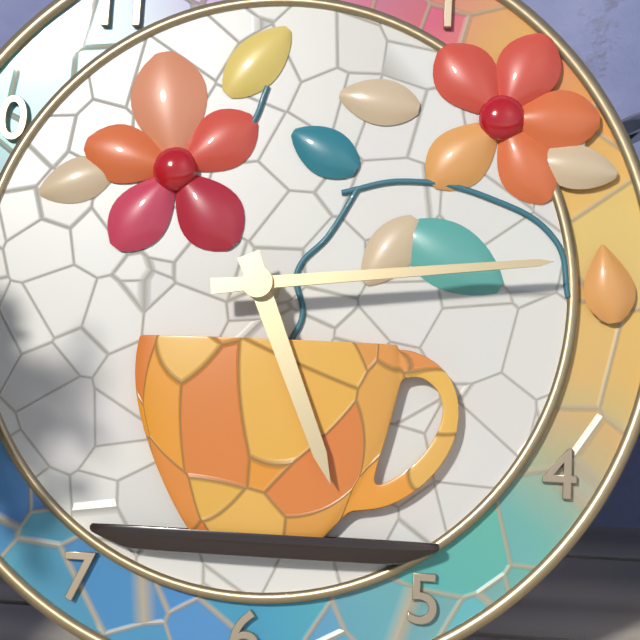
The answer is **5:14**
